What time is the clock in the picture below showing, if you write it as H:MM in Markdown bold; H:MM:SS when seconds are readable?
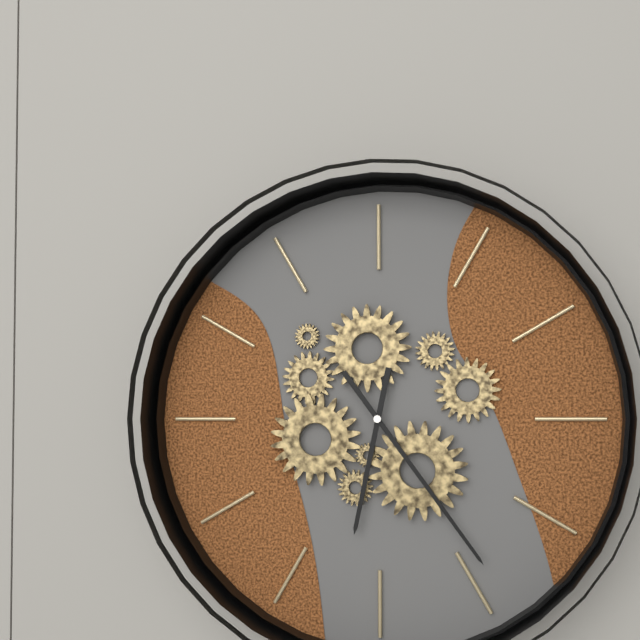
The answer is **6:24**
